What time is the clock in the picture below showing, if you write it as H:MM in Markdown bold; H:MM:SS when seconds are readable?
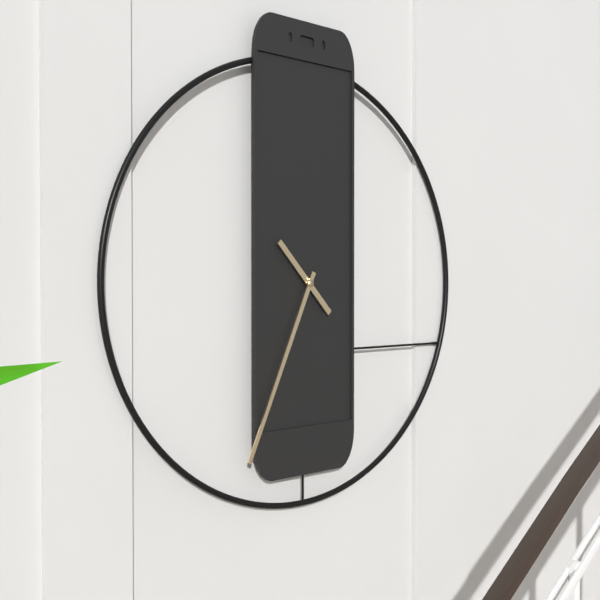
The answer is **10:34**
